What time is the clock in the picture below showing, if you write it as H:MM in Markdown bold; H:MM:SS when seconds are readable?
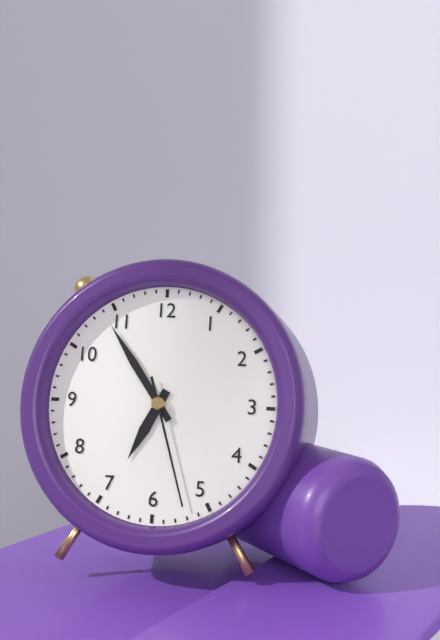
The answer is **6:54:27**
